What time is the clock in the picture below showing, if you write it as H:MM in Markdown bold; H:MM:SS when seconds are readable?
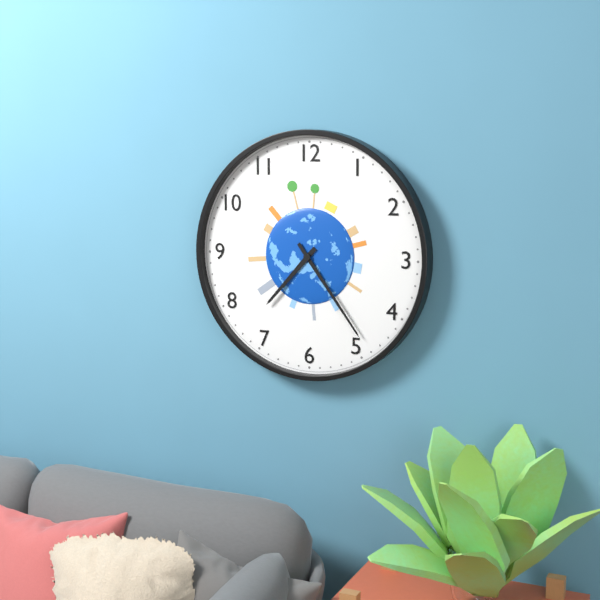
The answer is **7:24**
